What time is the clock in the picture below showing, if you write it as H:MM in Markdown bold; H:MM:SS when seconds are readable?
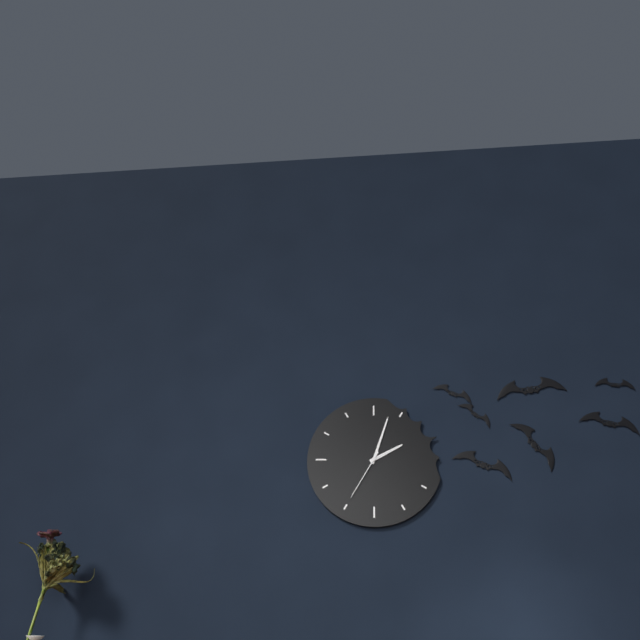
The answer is **2:03:35**
